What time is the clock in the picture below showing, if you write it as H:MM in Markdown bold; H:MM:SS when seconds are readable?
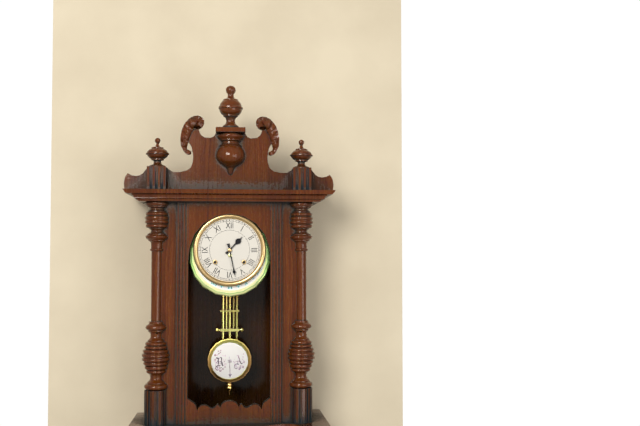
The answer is **1:28**
